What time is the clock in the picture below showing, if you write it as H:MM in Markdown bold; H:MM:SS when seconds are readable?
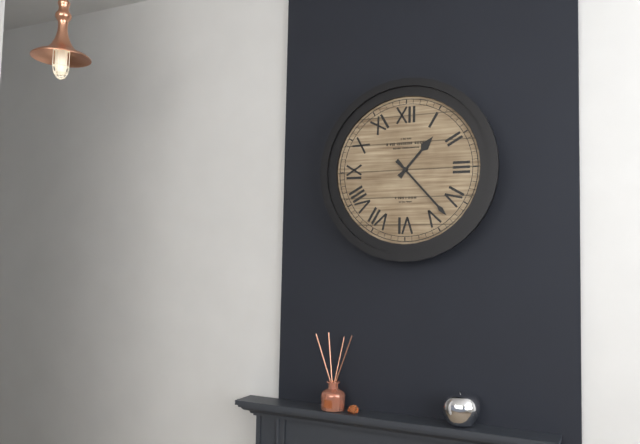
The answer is **1:23**
